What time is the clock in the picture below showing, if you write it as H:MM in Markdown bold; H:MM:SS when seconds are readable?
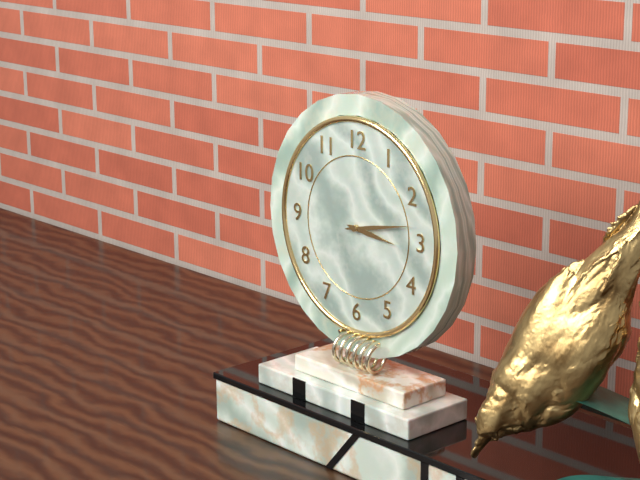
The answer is **3:13**
